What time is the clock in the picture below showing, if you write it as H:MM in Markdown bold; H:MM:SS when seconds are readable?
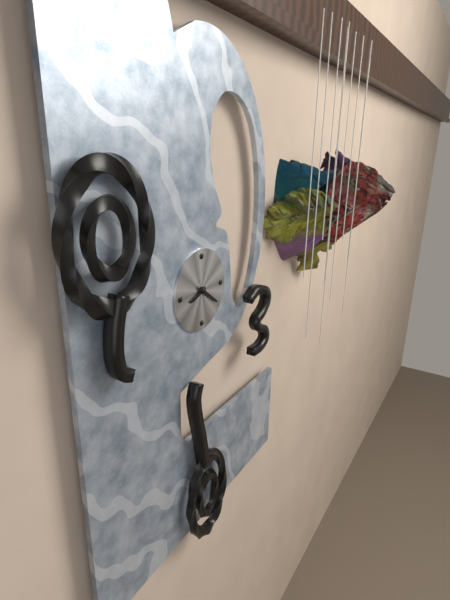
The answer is **8:21**
